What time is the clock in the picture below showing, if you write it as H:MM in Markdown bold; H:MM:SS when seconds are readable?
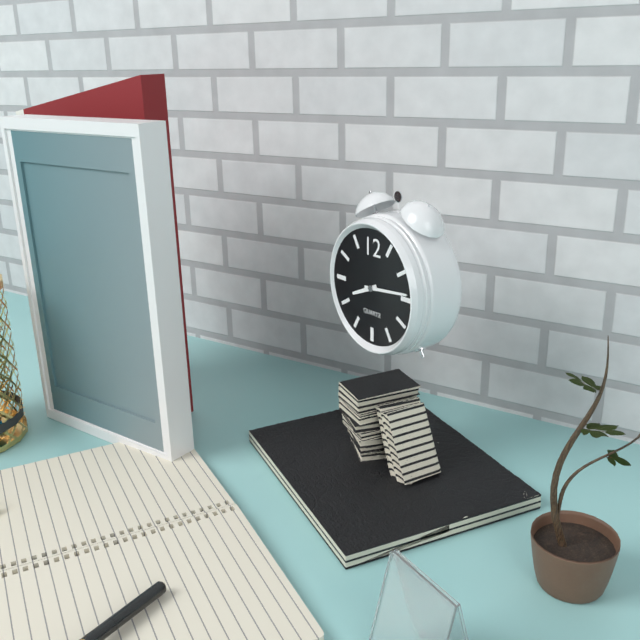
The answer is **8:14**
